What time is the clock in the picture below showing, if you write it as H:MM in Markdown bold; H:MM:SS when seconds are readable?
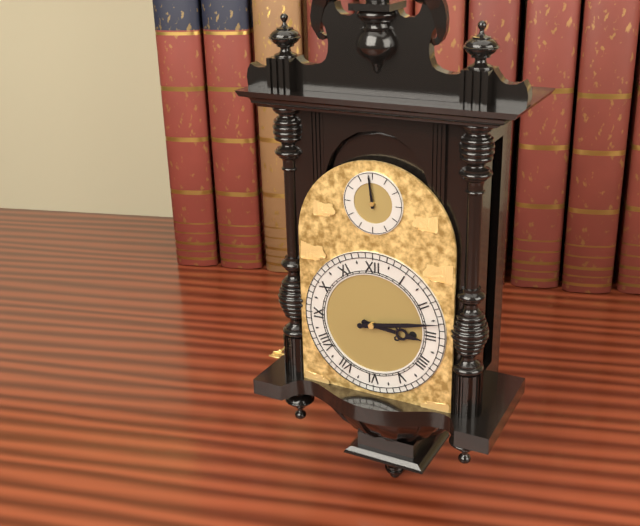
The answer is **3:13**
